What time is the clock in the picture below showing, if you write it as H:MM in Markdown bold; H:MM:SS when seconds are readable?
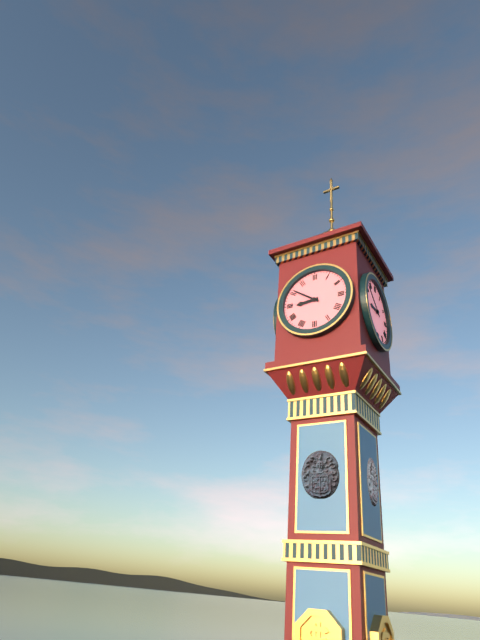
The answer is **8:51**
